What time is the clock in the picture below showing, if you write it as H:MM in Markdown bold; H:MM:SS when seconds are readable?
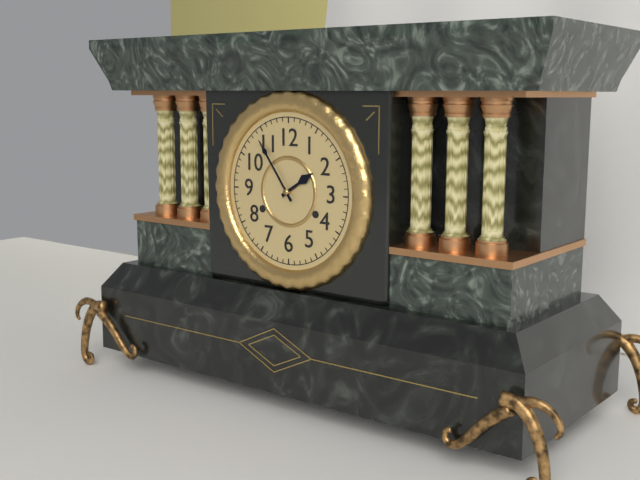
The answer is **1:54**
